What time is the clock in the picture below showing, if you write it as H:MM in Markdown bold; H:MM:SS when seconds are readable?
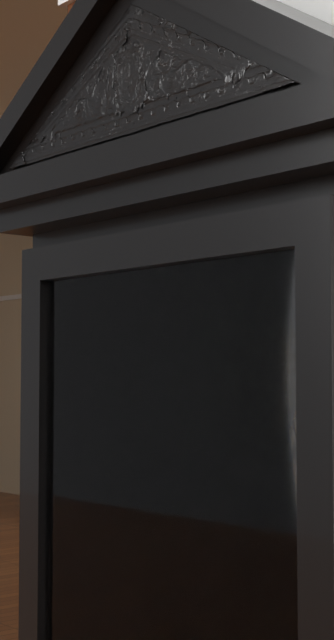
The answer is **12:25**
